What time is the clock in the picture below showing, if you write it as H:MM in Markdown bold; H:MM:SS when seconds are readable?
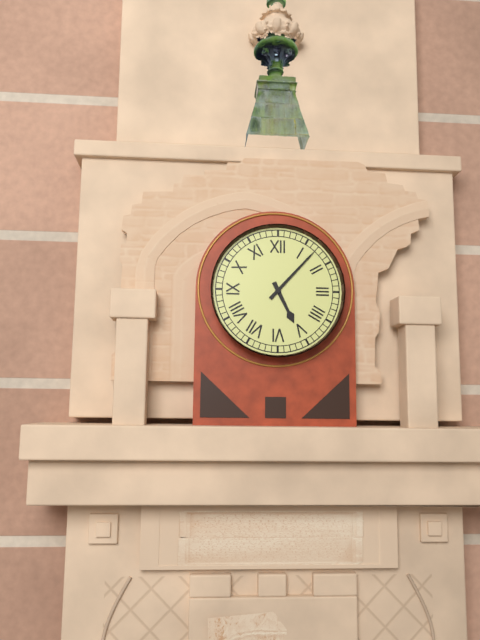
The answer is **5:07**
